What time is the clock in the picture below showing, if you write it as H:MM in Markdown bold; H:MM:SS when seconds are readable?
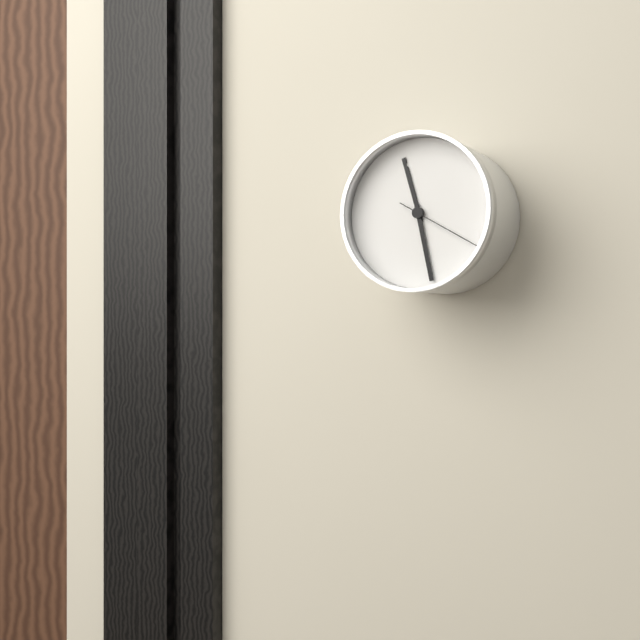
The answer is **11:28:20**
